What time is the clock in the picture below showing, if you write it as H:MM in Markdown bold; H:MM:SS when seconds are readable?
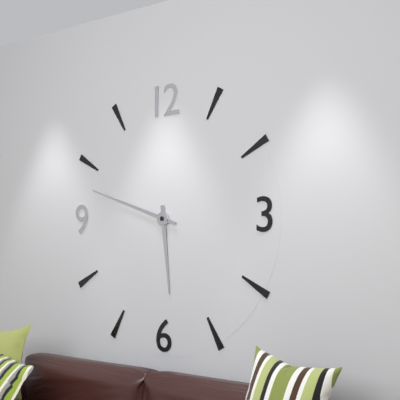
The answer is **5:48**
